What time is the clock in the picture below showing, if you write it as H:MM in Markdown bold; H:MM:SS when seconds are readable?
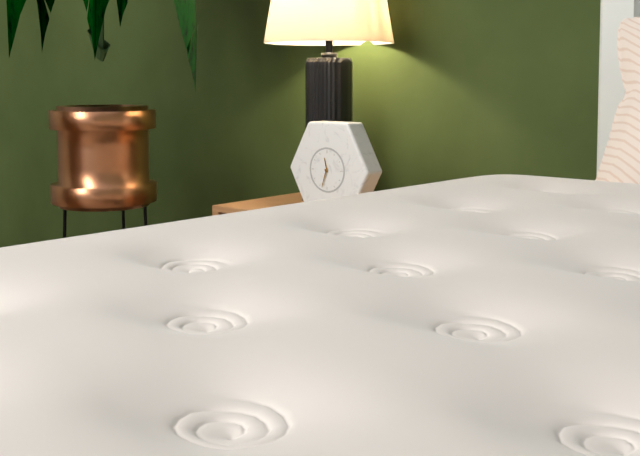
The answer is **11:33**
